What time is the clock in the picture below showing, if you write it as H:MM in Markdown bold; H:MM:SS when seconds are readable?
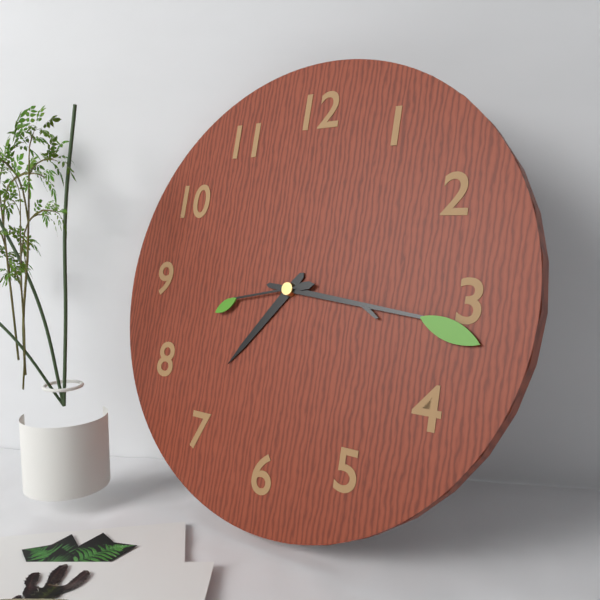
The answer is **7:16:43**
